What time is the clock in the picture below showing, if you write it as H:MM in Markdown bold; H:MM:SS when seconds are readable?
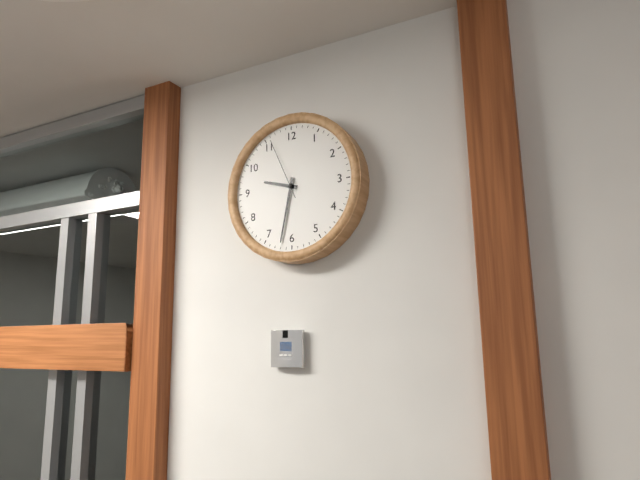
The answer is **9:32:56**
